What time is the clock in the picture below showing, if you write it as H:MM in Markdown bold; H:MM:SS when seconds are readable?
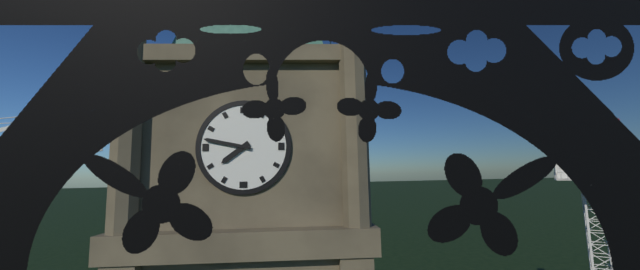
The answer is **7:47**
